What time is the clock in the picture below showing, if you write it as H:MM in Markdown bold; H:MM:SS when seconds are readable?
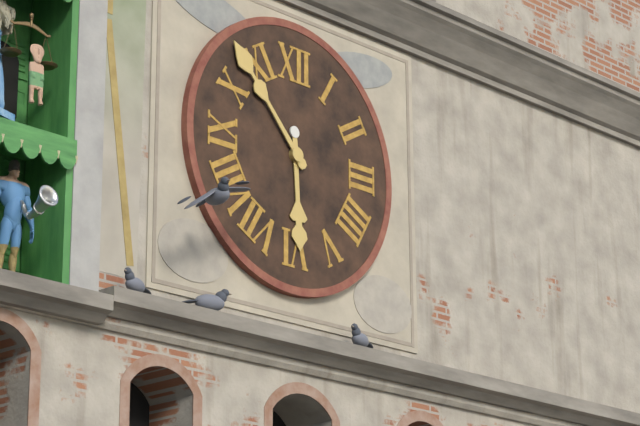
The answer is **5:53**
